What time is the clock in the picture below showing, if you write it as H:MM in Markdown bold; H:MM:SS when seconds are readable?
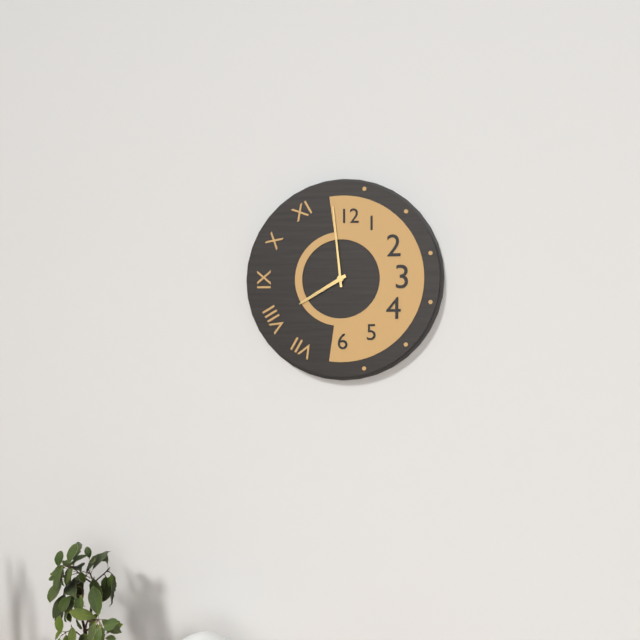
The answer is **7:59**
